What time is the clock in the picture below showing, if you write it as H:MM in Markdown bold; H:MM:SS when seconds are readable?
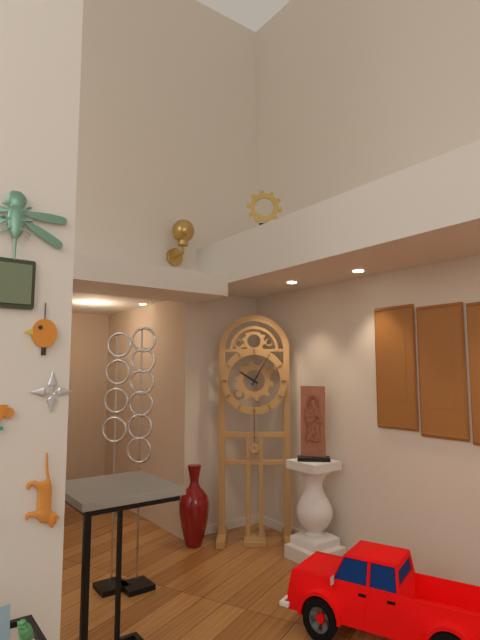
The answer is **10:05**
